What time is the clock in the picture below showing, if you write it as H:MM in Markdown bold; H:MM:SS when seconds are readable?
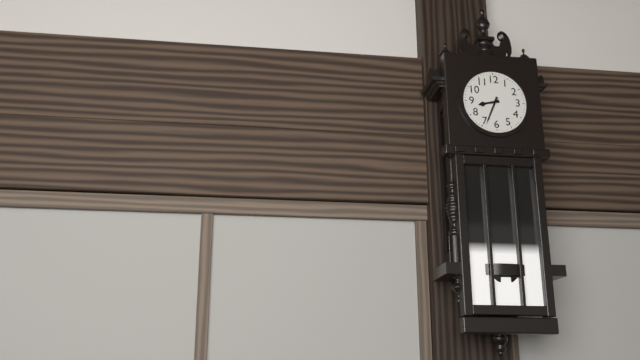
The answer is **8:34**
